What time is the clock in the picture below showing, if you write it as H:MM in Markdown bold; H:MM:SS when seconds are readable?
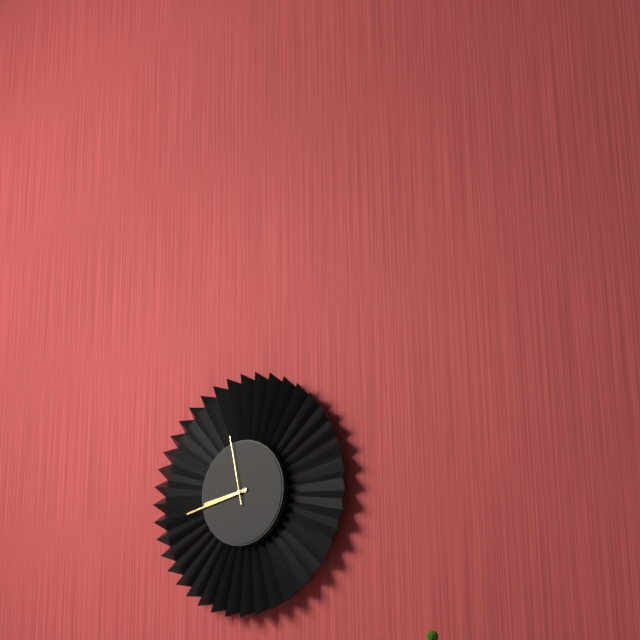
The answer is **8:43:58**
